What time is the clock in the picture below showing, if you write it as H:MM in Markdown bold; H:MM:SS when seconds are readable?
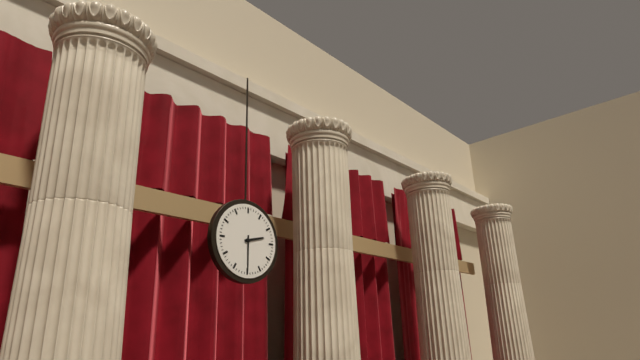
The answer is **2:30**
